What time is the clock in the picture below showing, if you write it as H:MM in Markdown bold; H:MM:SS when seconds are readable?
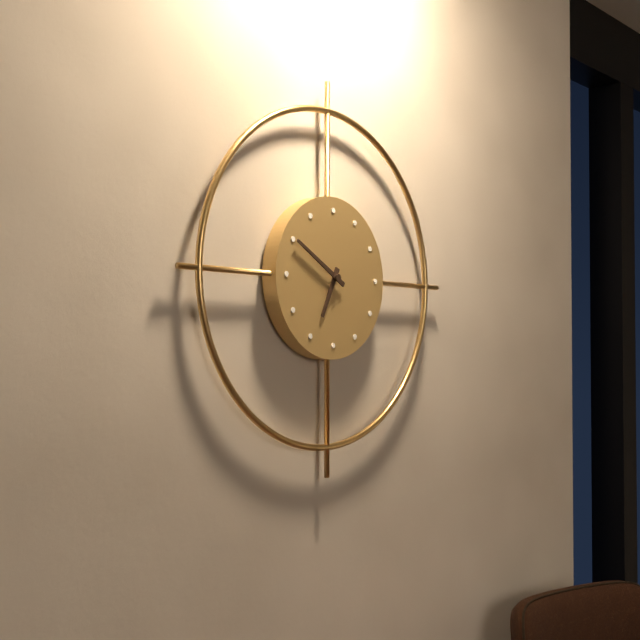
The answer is **6:50**
